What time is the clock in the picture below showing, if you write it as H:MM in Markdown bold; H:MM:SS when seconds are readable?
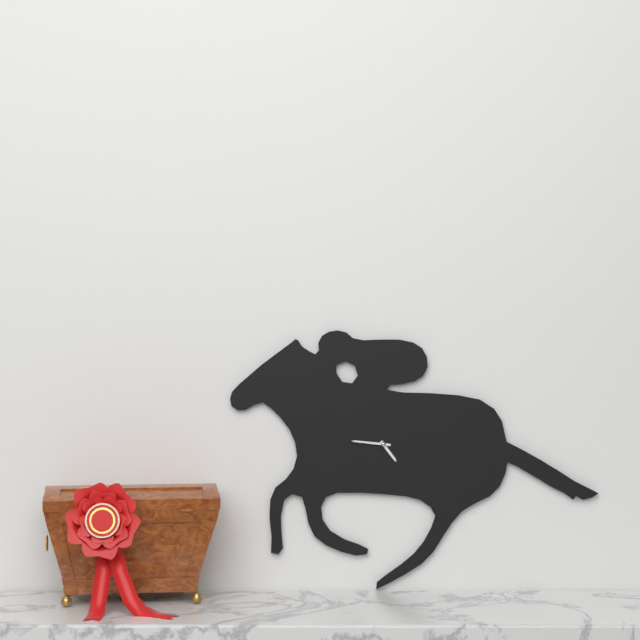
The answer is **4:46**
